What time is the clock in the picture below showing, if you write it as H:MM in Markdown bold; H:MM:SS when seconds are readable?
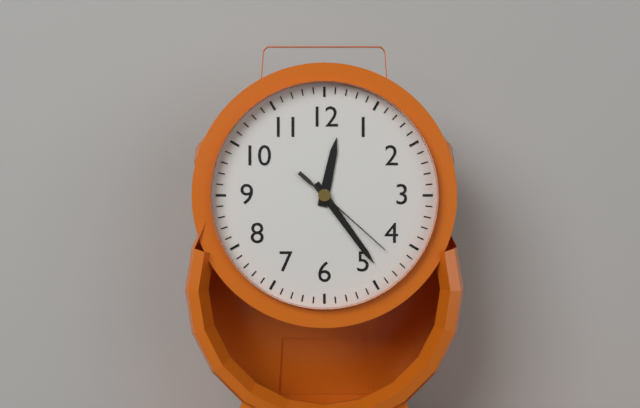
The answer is **12:24:22**
